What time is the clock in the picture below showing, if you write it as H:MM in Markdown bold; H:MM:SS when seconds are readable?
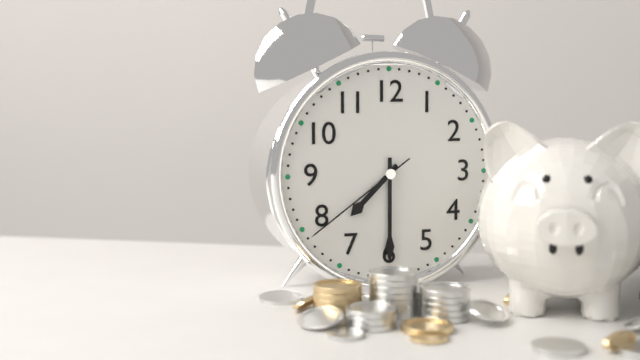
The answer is **7:30:39**
